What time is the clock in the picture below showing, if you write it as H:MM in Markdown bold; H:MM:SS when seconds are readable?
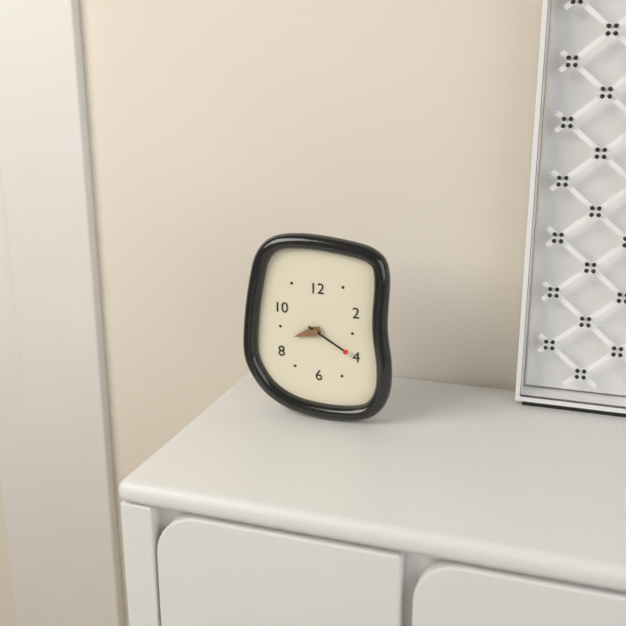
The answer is **8:20**
